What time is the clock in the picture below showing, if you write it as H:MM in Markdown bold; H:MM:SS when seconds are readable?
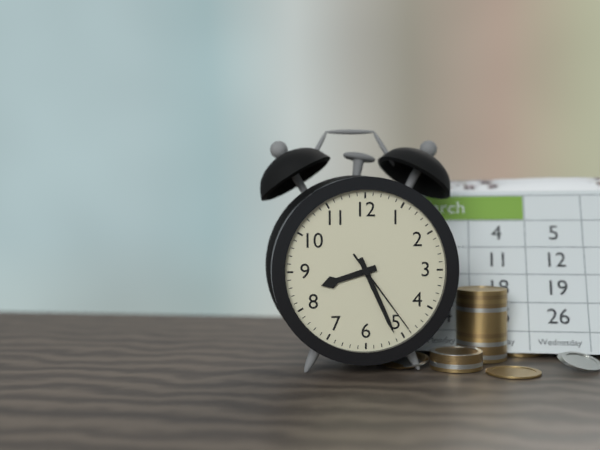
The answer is **8:26:24**
